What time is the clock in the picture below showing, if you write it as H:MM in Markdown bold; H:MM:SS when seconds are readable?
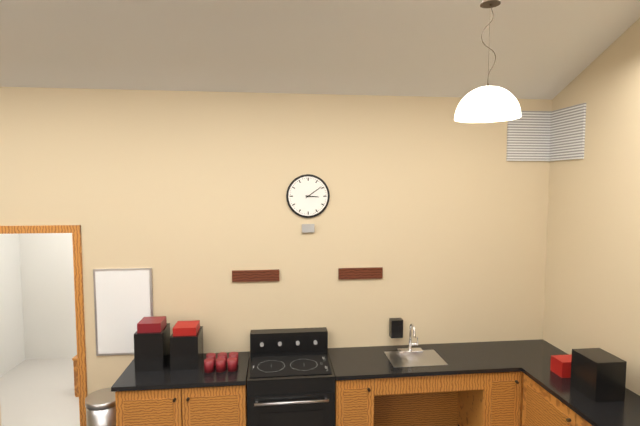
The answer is **3:09**
